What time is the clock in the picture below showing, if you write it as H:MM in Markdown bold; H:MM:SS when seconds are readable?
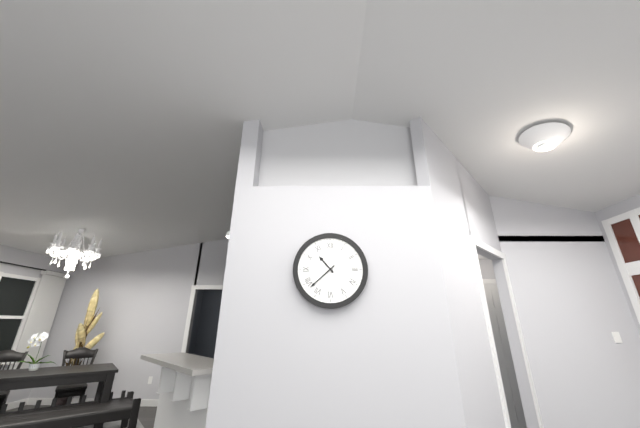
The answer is **10:38**
